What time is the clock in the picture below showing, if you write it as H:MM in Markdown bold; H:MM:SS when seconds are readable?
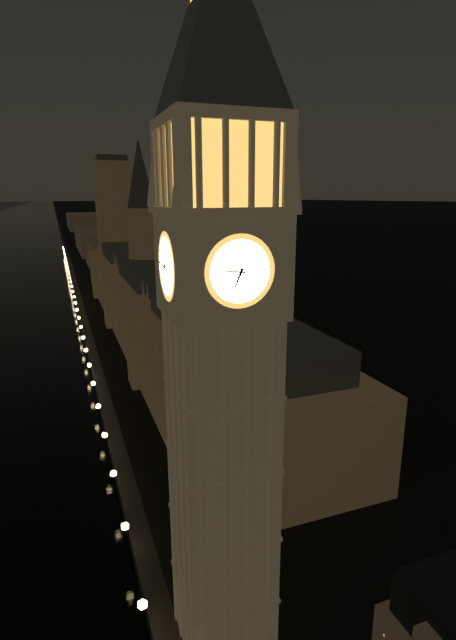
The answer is **6:46**
